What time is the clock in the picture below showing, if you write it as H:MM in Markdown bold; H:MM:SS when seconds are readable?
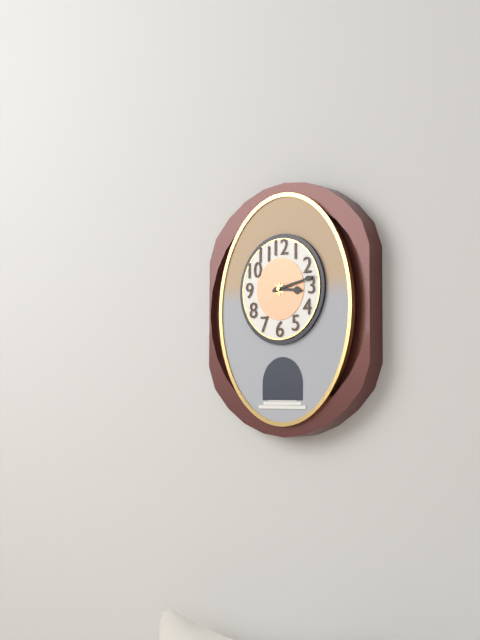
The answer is **3:13**
